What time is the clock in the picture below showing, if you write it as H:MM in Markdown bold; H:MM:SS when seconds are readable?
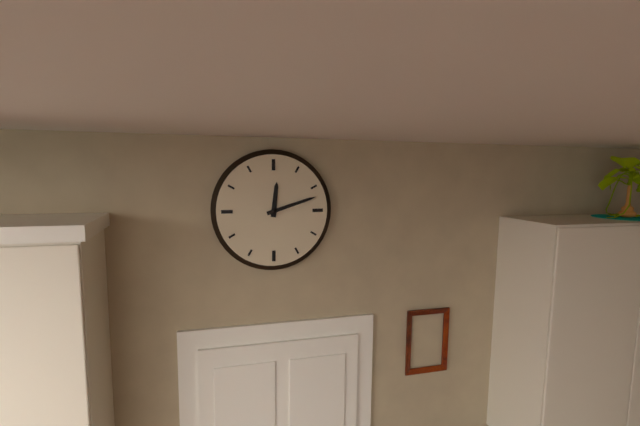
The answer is **12:12**
